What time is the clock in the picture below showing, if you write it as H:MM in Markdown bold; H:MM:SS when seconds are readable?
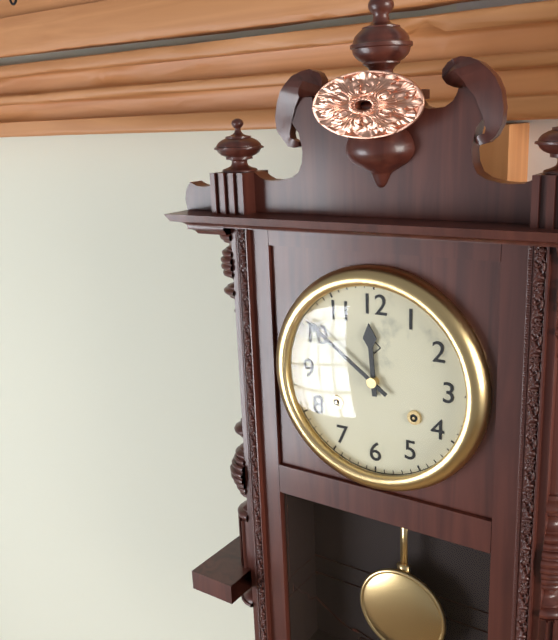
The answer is **11:51**
